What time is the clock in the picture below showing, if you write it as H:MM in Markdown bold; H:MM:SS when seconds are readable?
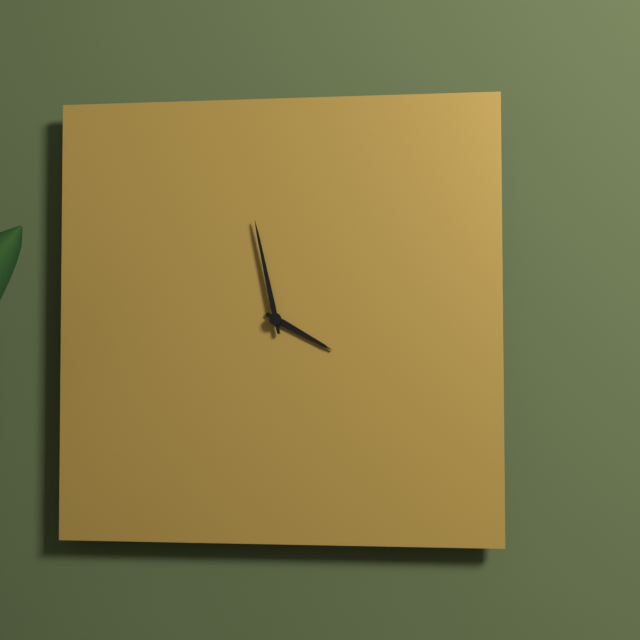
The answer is **3:58**
